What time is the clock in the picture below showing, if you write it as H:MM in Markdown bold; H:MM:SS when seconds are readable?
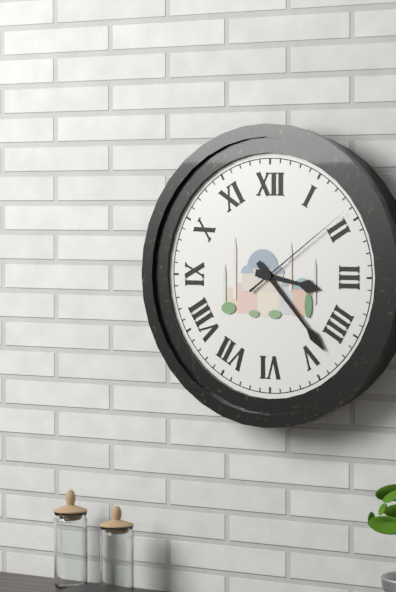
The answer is **3:23:09**
